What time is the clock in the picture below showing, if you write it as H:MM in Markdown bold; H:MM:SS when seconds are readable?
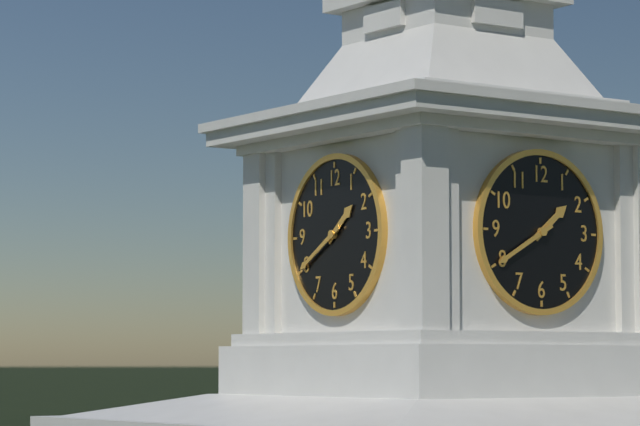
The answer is **1:40**
